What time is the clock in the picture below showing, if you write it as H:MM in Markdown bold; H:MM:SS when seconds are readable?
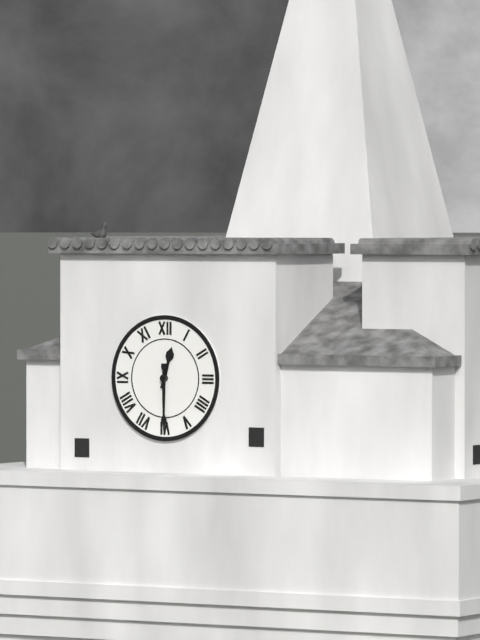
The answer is **12:30**
